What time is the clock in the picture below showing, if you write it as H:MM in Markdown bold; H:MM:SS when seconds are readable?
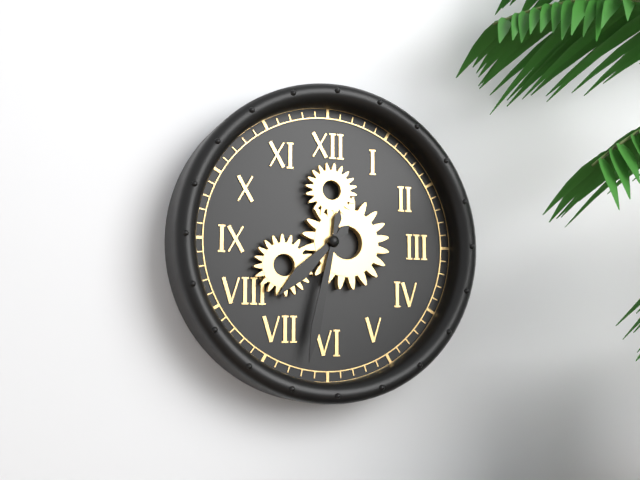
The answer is **7:32**
